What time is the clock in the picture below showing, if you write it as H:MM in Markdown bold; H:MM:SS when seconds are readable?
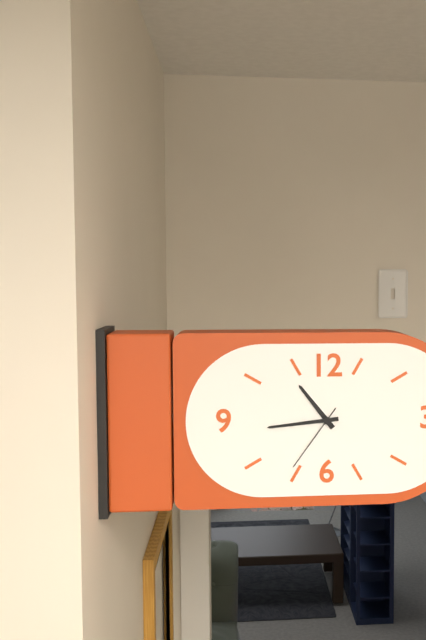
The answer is **10:44:36**
